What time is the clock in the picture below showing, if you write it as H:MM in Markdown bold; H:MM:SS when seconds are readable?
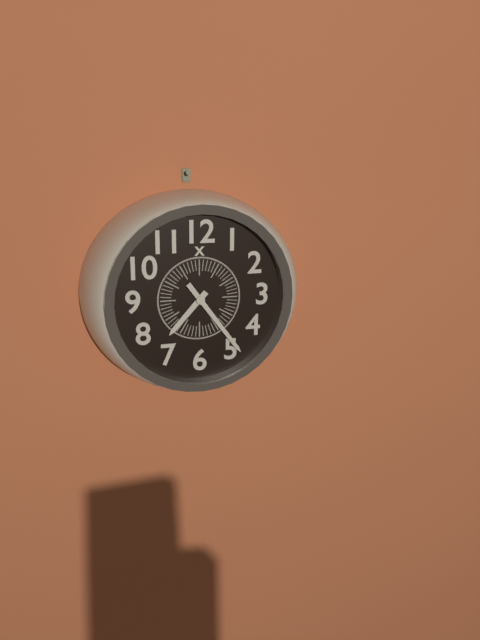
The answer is **7:24**
